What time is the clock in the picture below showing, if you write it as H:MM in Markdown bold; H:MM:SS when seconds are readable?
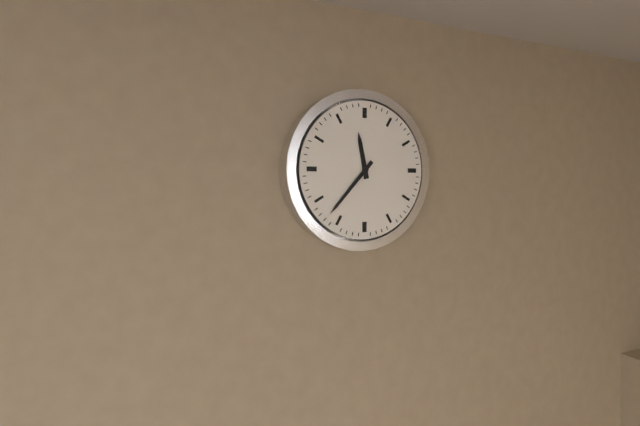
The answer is **11:37**
